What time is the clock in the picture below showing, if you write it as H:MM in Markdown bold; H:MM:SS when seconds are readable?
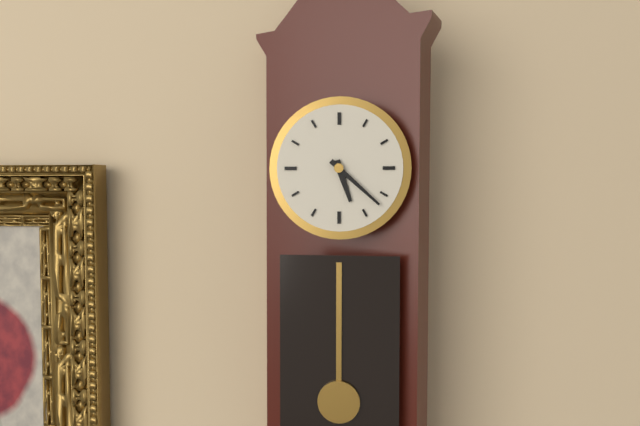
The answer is **5:22**
